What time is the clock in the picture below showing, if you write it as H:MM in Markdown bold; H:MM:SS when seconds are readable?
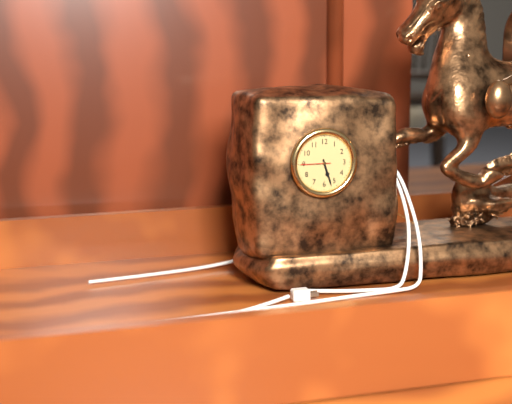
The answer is **5:27**
